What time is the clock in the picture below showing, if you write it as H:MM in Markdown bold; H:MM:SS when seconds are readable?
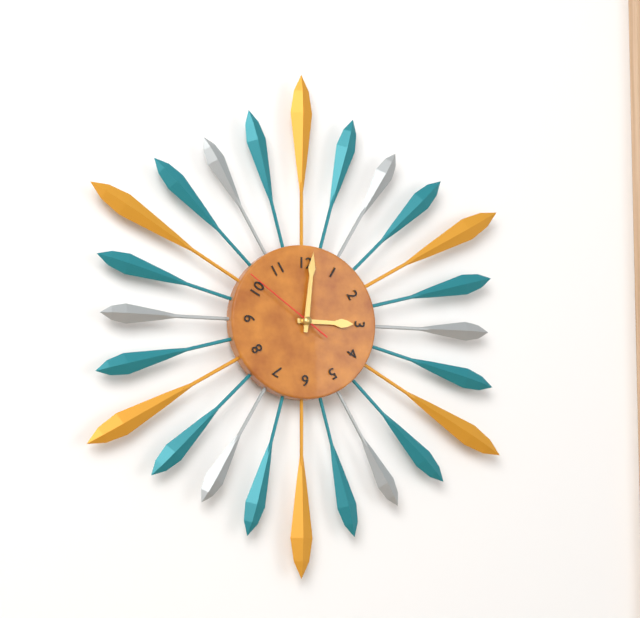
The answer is **3:01:51**
